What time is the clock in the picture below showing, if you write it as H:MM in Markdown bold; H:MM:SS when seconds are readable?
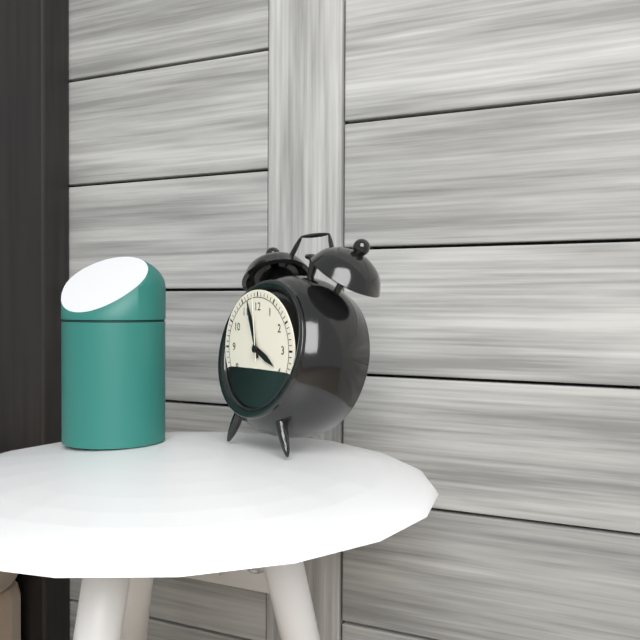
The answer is **3:57:59**
